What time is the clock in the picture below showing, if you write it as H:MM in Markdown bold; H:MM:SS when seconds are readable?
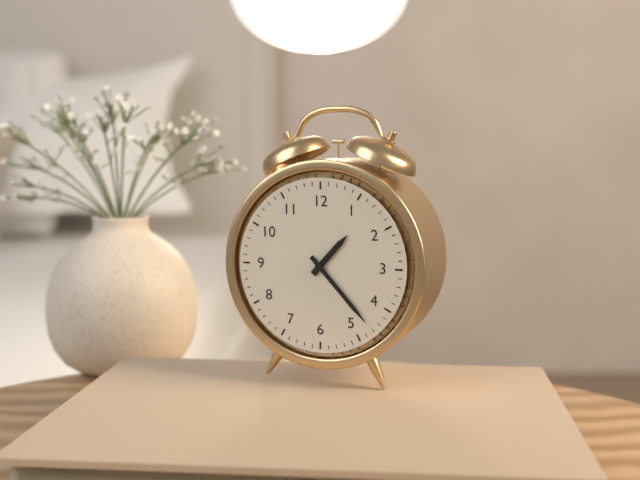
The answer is **1:23**
